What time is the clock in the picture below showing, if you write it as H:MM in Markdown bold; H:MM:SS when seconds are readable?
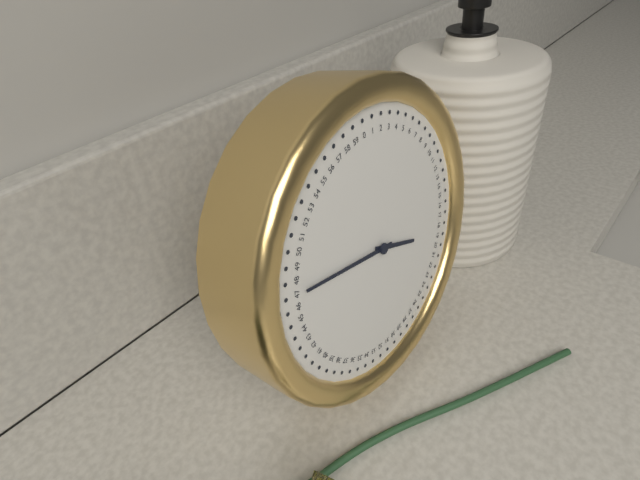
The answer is **3:47**
